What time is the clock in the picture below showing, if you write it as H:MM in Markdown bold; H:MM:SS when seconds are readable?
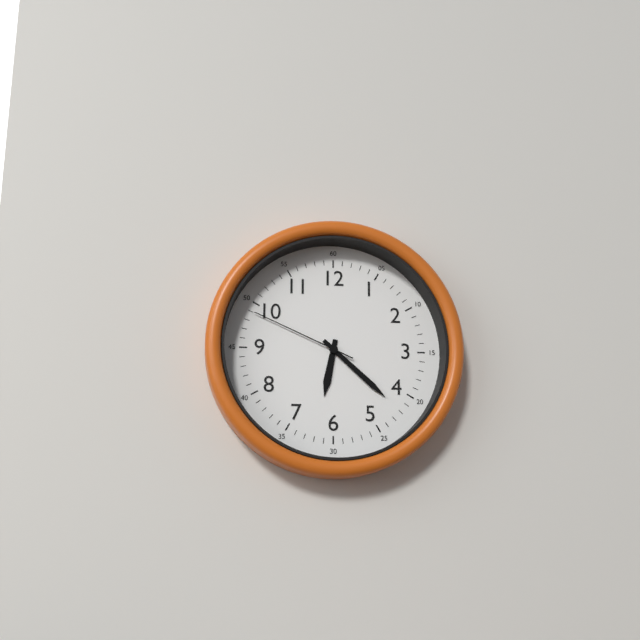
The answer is **6:22:49**
